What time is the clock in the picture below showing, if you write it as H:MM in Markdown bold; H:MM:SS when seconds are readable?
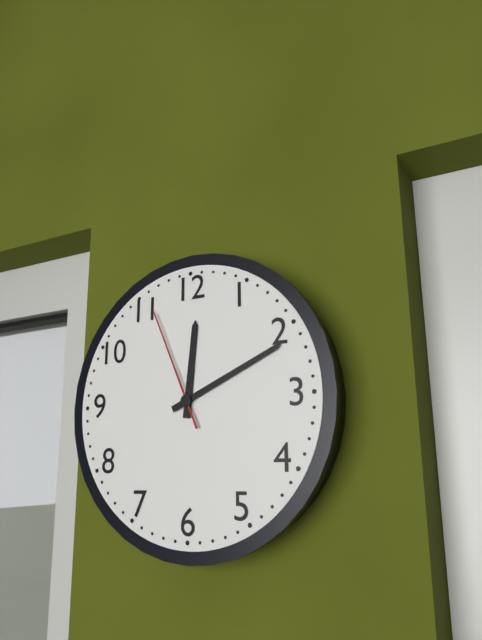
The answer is **12:11:56**
